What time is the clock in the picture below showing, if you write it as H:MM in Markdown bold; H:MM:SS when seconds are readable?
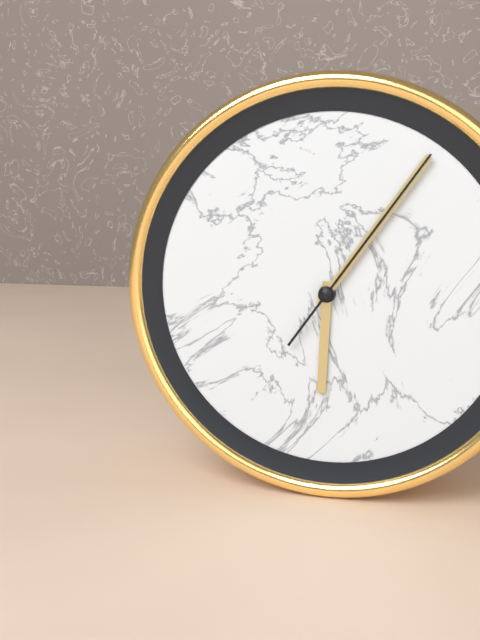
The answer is **6:06:06**
